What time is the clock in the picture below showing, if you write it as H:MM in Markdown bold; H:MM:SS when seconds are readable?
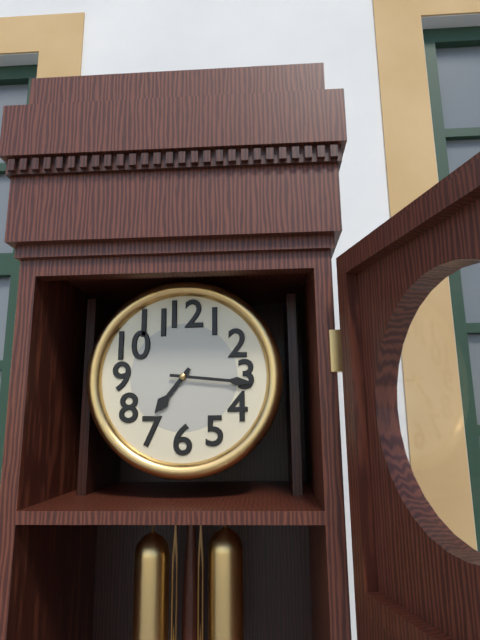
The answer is **7:16**
